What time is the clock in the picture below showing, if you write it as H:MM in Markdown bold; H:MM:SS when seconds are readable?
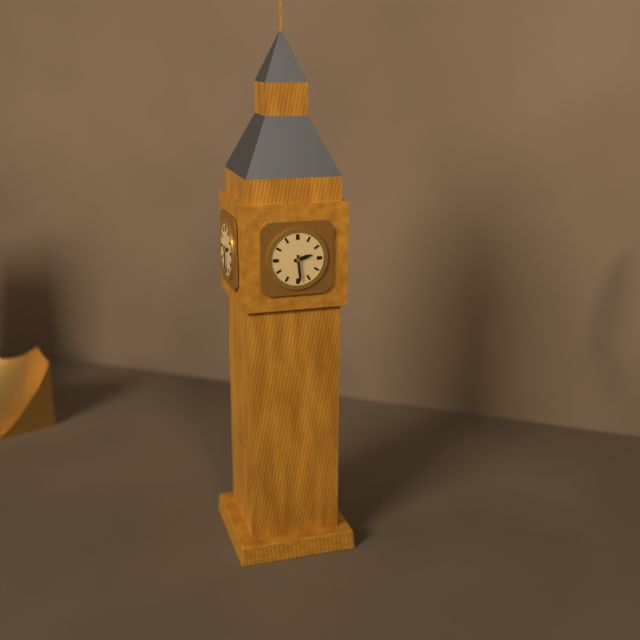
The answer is **2:29**
